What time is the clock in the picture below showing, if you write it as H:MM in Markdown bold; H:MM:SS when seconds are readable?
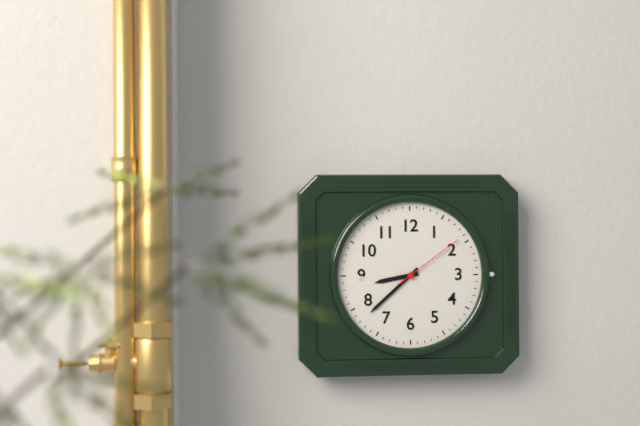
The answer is **8:38:09**
